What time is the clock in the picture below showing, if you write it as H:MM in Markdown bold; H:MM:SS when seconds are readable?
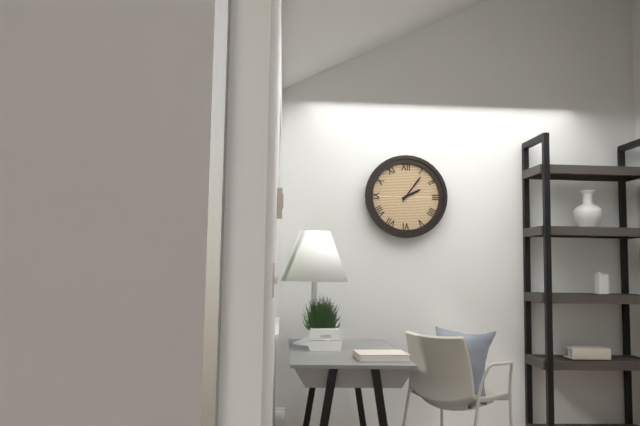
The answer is **2:06**
